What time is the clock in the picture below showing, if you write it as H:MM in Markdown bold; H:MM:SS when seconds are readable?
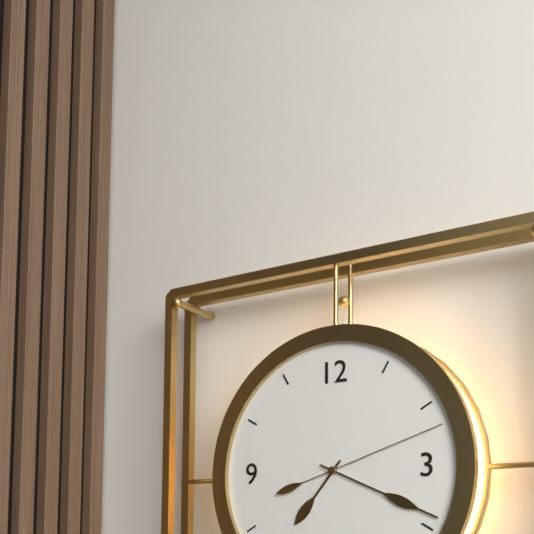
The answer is **7:19:12**
